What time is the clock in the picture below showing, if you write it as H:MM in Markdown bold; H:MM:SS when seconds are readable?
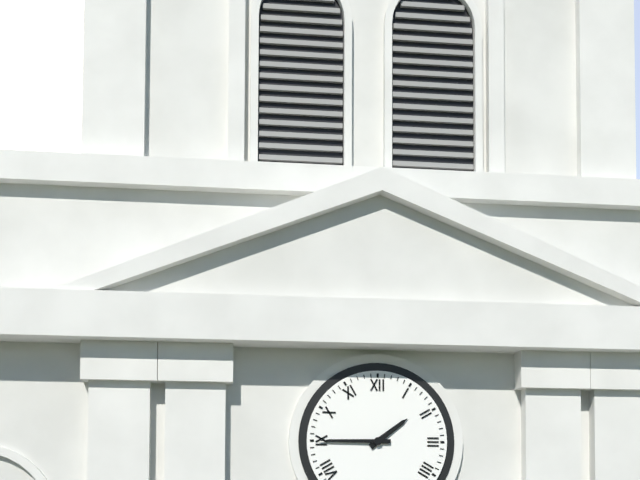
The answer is **1:45**
